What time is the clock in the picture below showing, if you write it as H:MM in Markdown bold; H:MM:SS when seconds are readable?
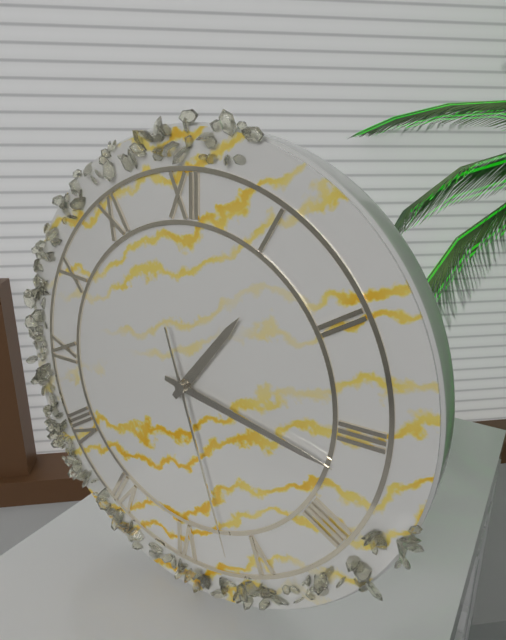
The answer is **1:17:27**
